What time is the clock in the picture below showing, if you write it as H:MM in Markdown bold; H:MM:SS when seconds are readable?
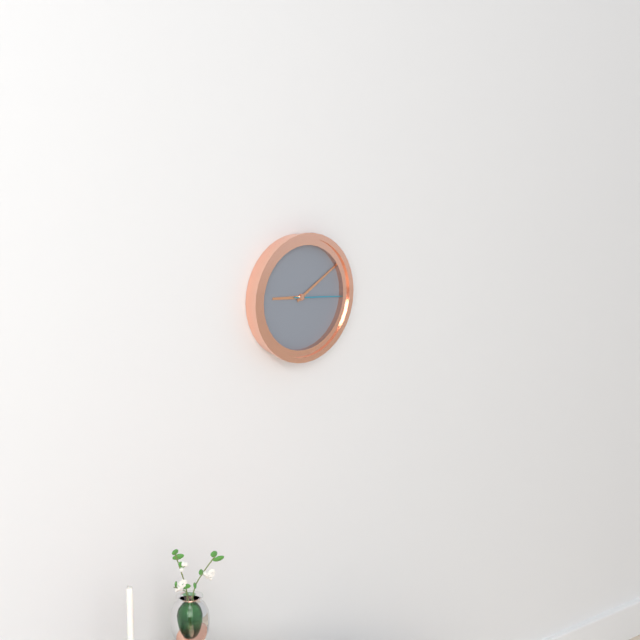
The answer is **9:10:16**
